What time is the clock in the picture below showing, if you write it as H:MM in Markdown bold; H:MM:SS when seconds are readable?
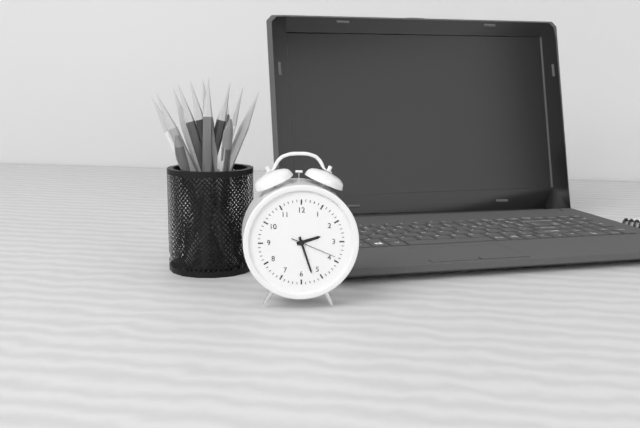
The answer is **2:27**
